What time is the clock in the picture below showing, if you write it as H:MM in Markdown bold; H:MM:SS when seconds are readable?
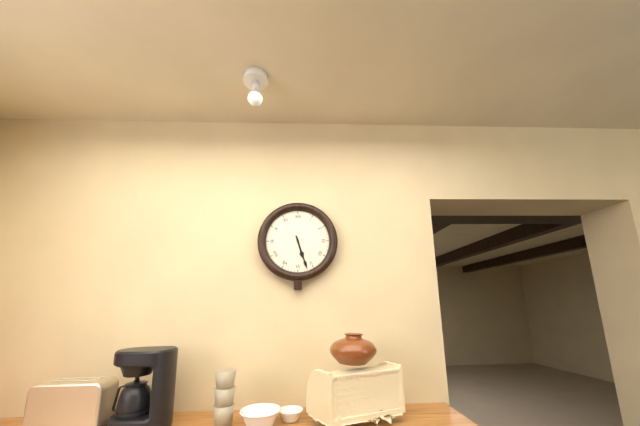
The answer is **5:27**
